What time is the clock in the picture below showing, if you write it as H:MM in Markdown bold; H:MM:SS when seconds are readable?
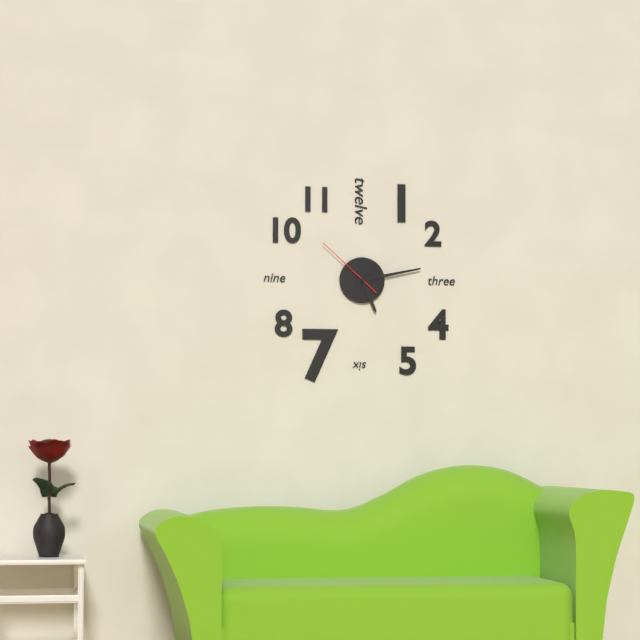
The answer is **5:13:52**
